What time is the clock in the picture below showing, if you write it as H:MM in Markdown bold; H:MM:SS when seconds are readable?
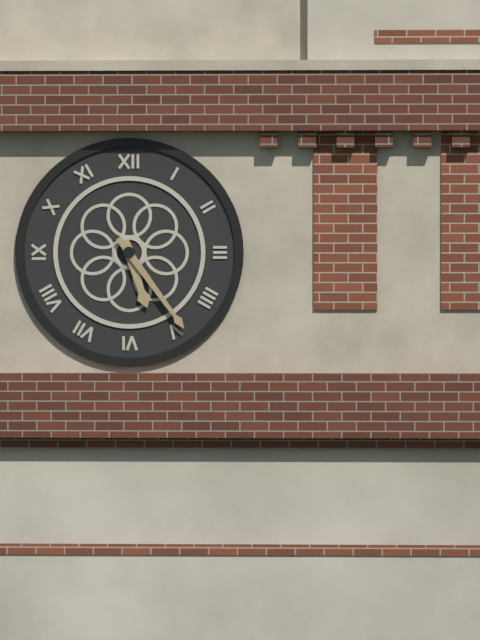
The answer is **5:24**
